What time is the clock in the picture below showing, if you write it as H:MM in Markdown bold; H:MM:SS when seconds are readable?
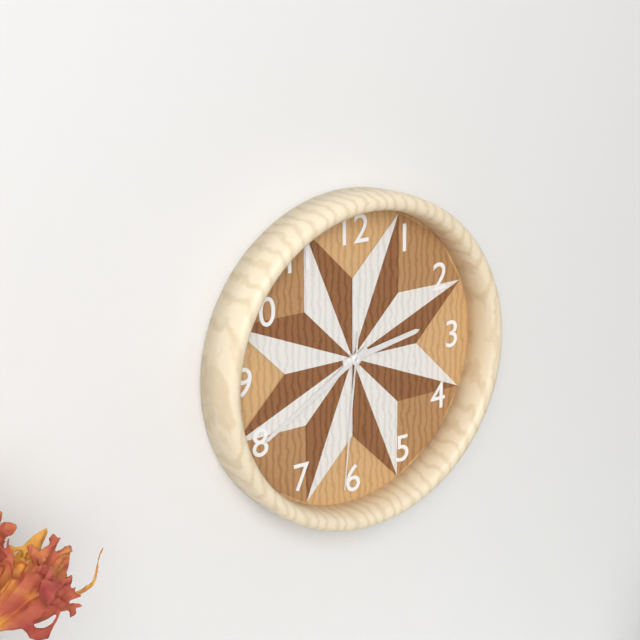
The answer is **2:40:31**
